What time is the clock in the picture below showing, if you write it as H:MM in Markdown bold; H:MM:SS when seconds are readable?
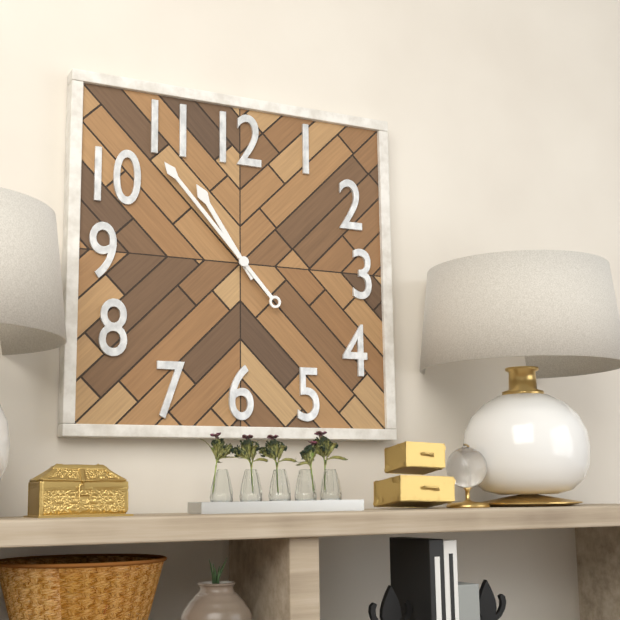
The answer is **10:53**
